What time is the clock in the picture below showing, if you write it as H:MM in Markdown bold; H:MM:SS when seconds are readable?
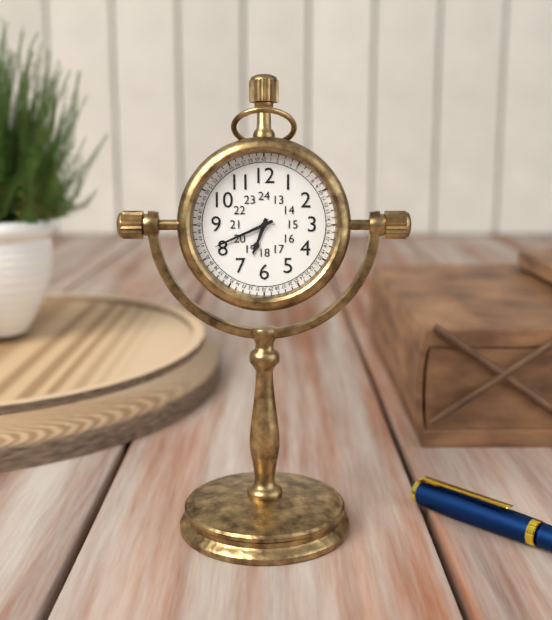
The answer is **6:41**
